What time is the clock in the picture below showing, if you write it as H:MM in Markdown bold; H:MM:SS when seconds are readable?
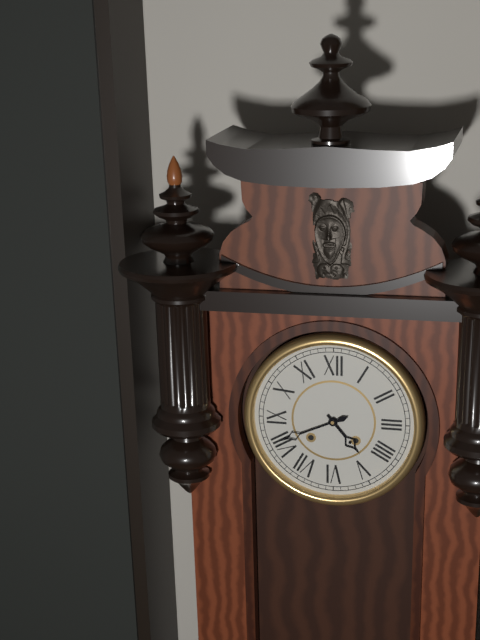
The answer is **4:41**
